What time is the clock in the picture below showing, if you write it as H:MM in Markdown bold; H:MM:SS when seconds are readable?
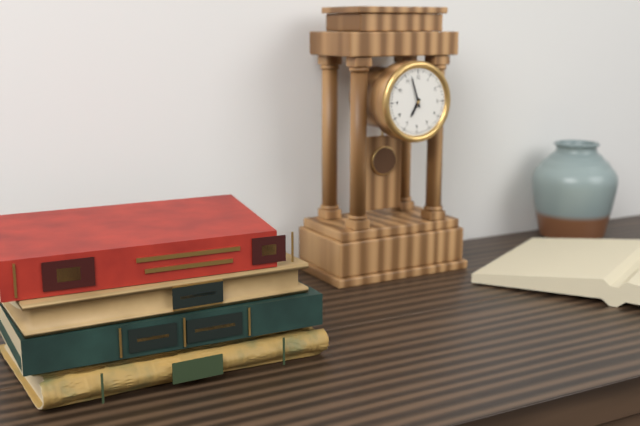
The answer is **6:57**
